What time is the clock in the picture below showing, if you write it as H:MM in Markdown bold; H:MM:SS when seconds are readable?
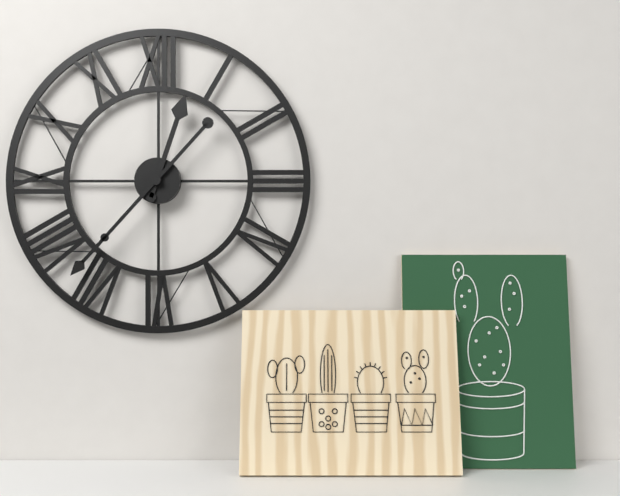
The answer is **12:37**
